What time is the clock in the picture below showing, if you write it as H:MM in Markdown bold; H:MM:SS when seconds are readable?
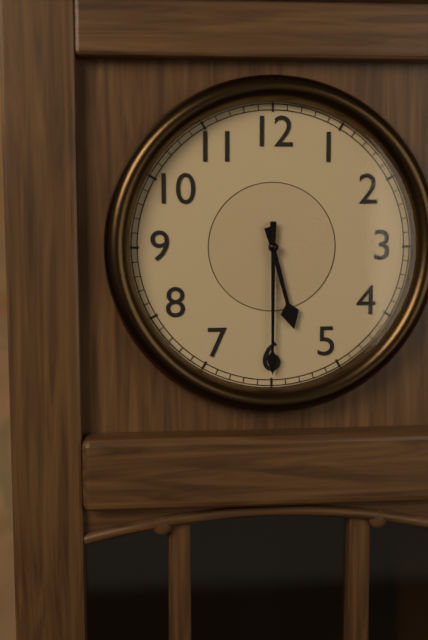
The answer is **5:30**
